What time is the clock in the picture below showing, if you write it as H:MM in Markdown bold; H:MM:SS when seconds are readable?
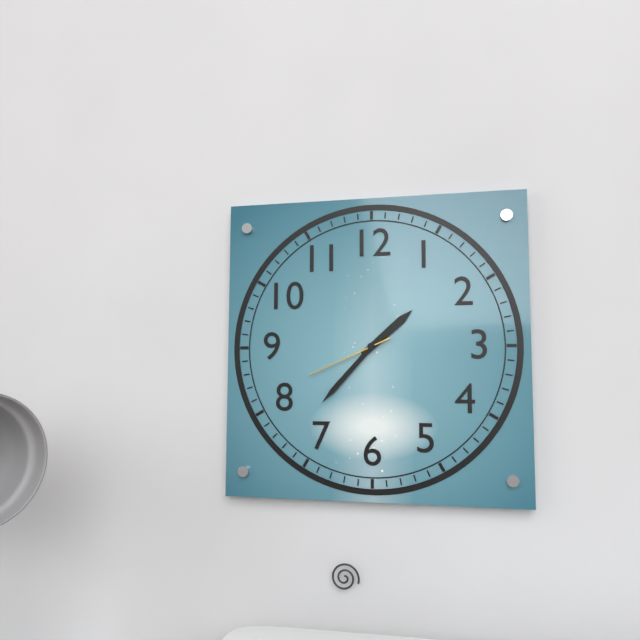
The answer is **1:37:41**
